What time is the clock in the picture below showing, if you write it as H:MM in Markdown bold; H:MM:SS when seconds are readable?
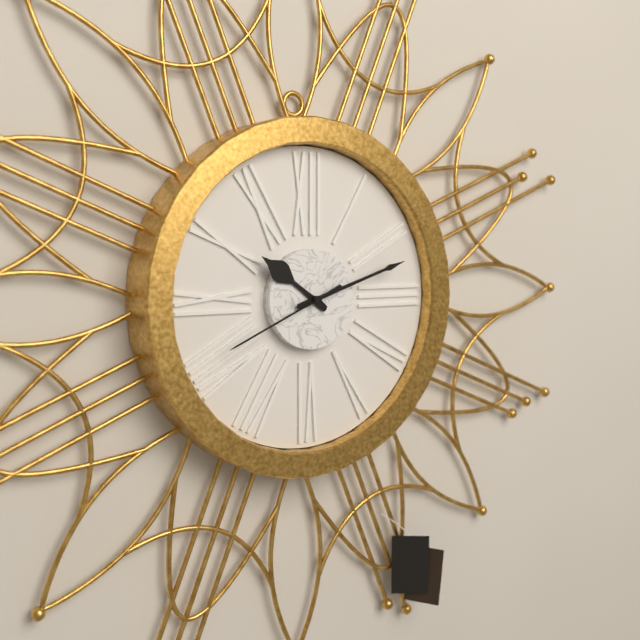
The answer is **10:12:41**
